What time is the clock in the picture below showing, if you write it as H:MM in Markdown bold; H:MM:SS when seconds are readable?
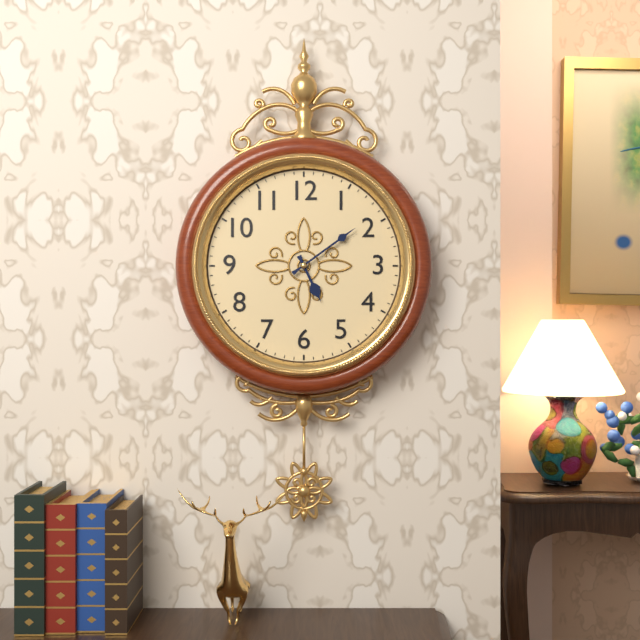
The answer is **5:09**
